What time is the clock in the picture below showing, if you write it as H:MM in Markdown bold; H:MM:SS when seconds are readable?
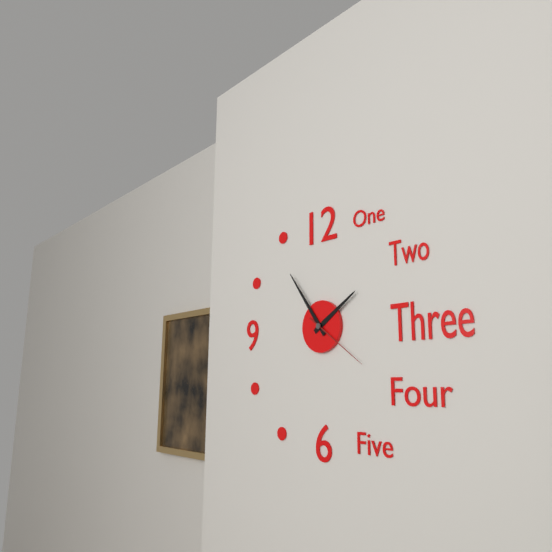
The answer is **1:54:21**
